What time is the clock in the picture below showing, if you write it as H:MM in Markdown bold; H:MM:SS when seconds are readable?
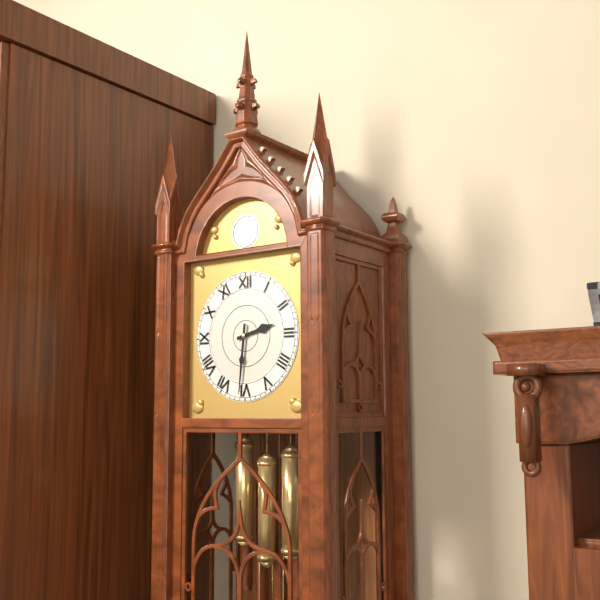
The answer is **2:31**
